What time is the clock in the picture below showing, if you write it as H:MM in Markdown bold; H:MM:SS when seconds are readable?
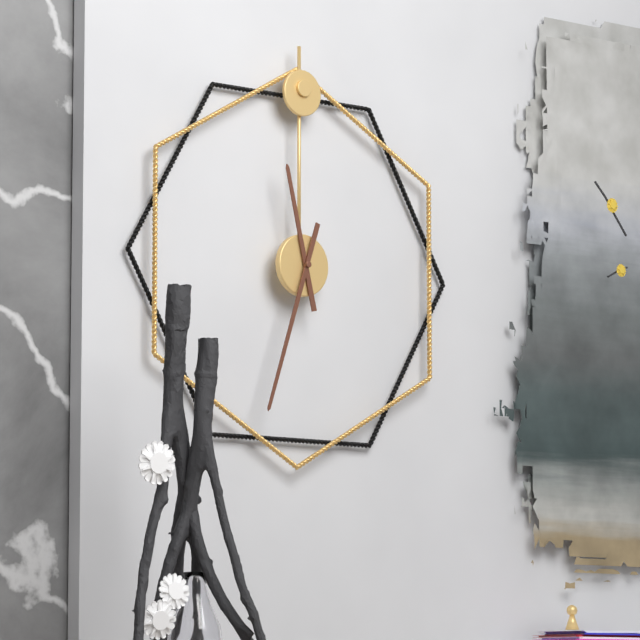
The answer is **11:33**
